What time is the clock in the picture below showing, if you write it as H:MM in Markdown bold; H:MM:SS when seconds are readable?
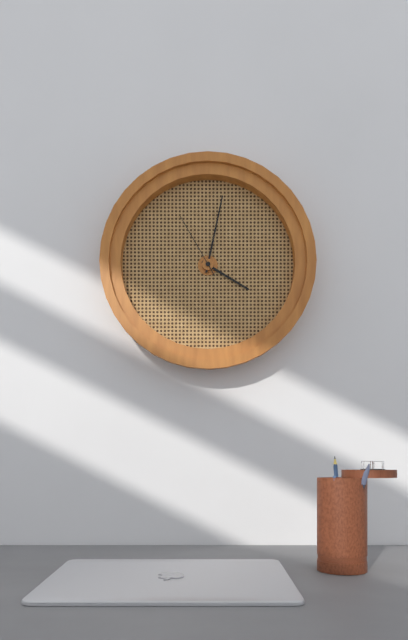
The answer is **4:02:55**
